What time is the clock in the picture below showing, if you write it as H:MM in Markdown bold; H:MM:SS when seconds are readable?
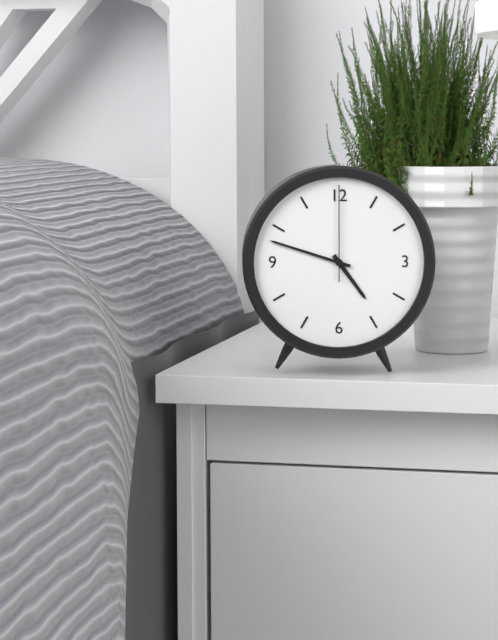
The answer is **4:48:00**
